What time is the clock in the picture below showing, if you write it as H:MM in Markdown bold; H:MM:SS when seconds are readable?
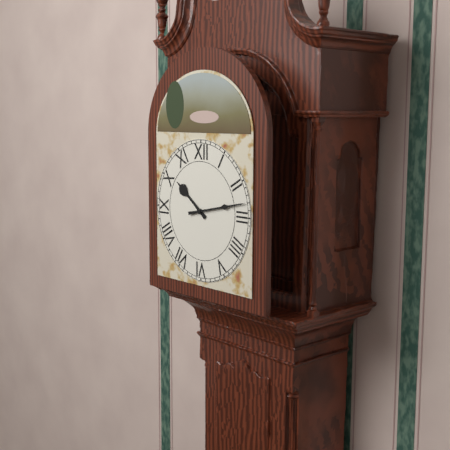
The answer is **10:13**
